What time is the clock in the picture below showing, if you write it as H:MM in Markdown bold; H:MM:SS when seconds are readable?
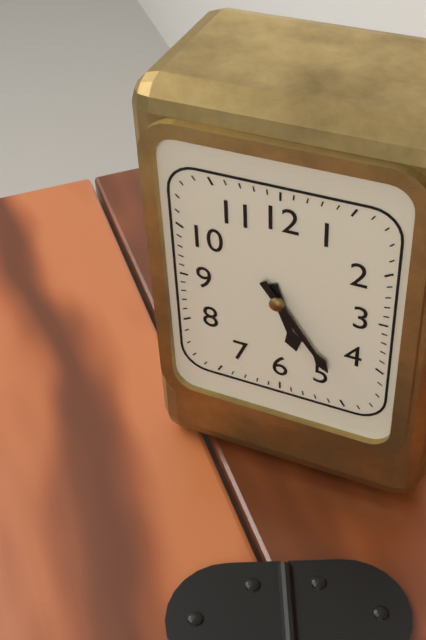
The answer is **5:24**
